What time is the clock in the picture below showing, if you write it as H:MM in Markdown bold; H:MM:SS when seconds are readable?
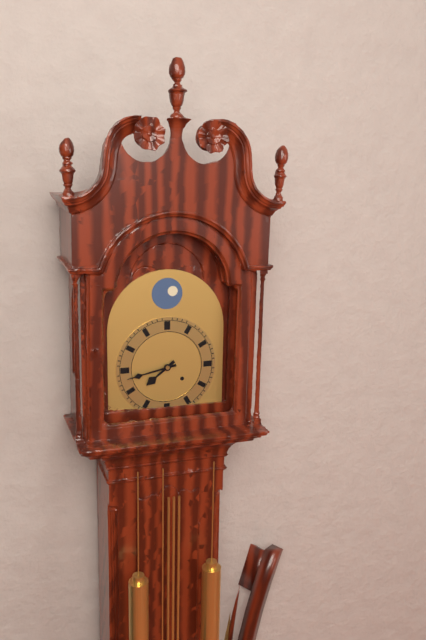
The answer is **7:43**
